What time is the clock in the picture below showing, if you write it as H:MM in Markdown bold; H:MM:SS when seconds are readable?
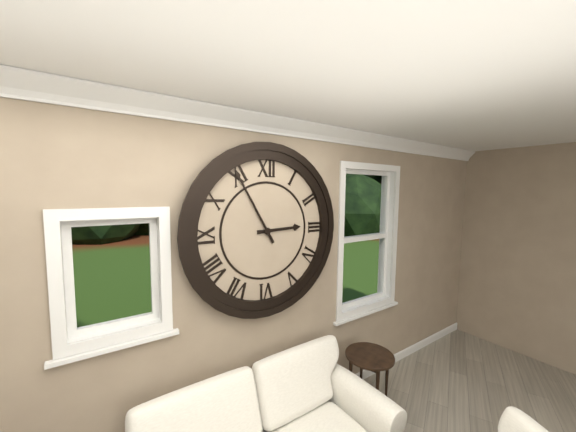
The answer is **2:55**
